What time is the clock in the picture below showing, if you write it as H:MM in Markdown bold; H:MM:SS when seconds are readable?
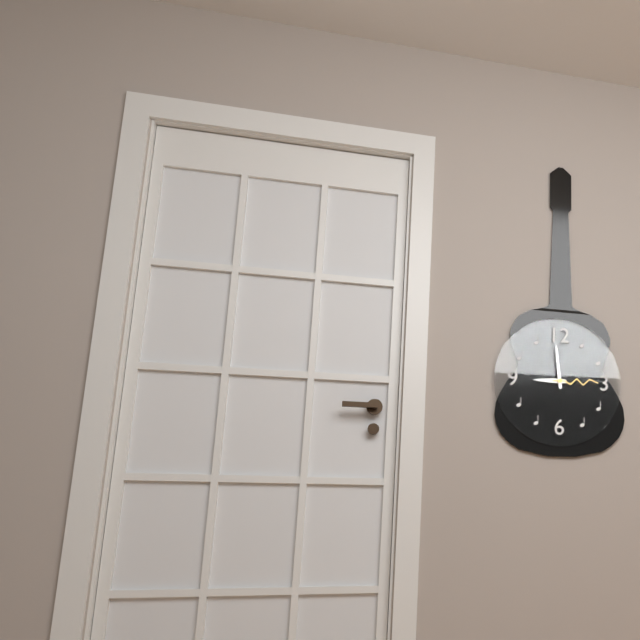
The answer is **8:59**
